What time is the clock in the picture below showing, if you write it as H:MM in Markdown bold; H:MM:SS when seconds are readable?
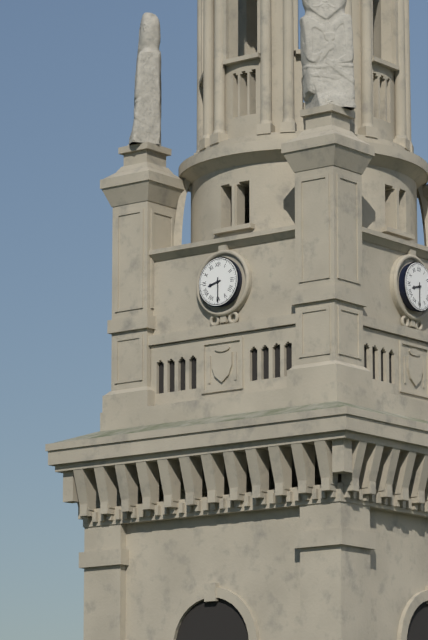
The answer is **8:30**
